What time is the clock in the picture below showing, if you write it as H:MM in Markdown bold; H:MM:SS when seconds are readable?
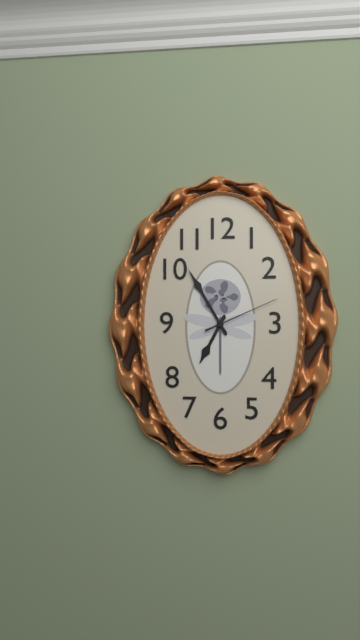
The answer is **6:55:11**
